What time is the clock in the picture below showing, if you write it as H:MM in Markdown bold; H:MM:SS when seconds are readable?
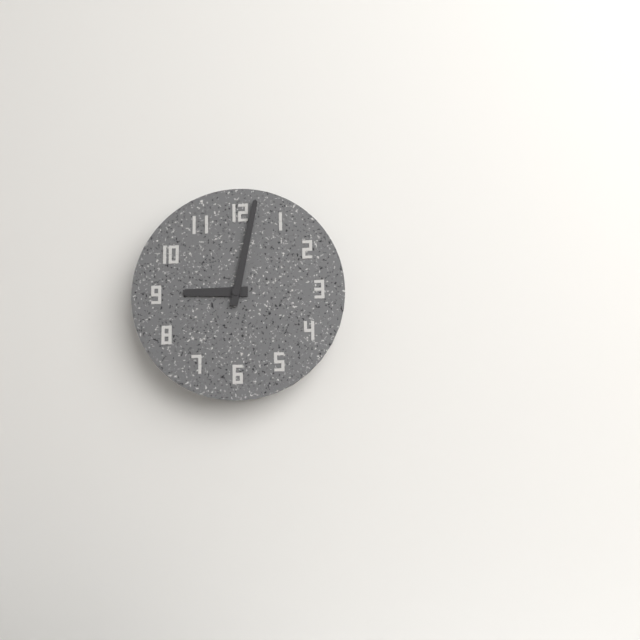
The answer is **9:02**
